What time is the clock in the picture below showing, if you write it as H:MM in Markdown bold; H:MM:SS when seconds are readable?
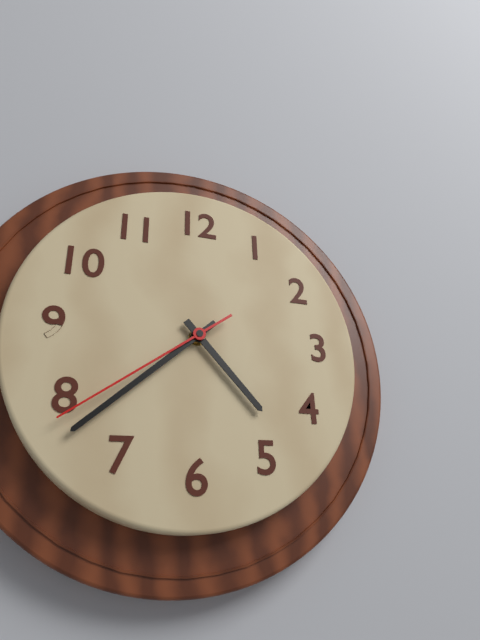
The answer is **4:38:39**
